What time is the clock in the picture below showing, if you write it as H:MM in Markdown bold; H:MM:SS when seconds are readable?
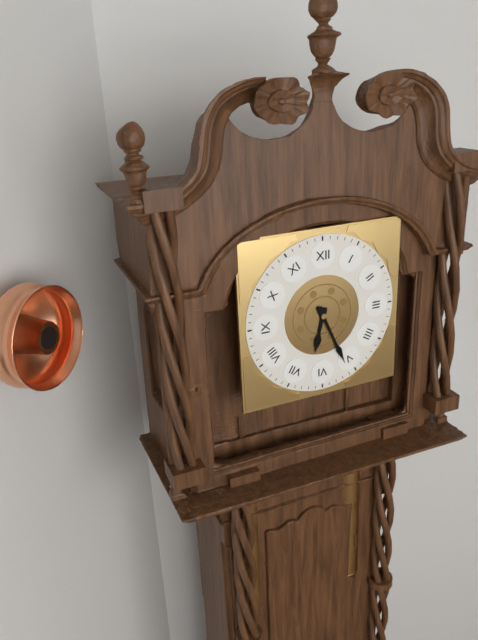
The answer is **6:26**
